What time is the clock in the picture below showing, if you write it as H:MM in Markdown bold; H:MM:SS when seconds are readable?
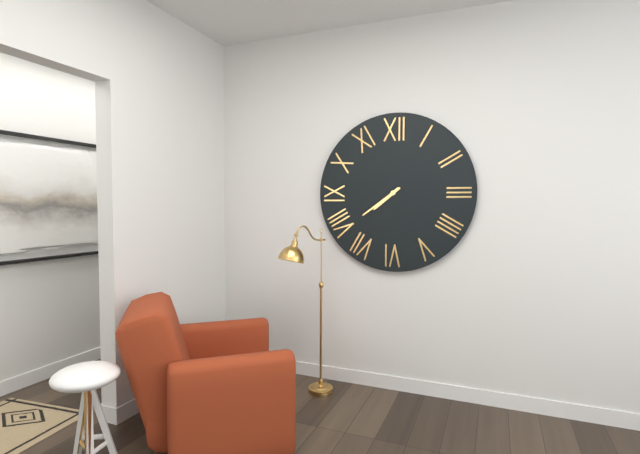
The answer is **7:39**
